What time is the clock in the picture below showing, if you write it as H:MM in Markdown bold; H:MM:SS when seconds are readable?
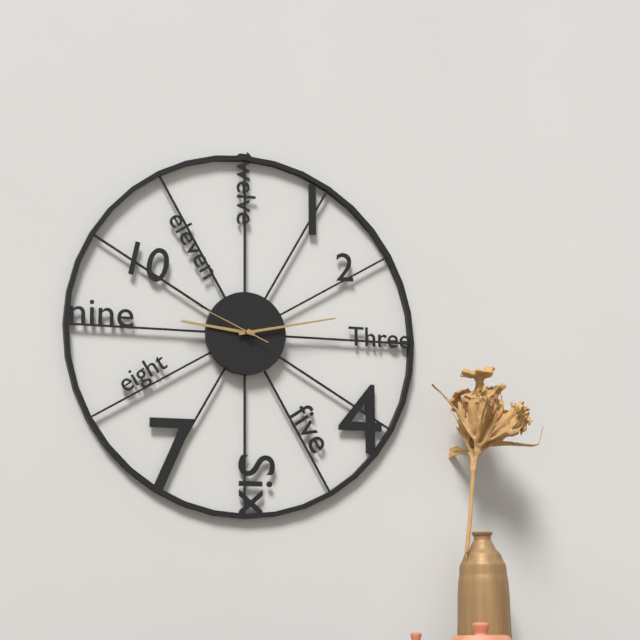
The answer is **9:13:49**
